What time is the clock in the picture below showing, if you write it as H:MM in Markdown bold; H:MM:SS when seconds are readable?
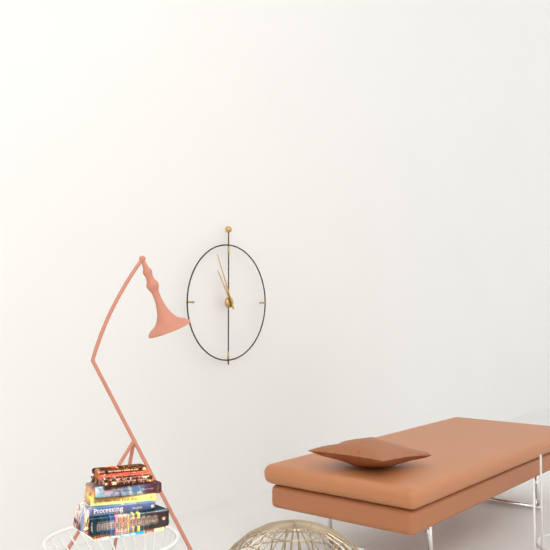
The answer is **10:56**
